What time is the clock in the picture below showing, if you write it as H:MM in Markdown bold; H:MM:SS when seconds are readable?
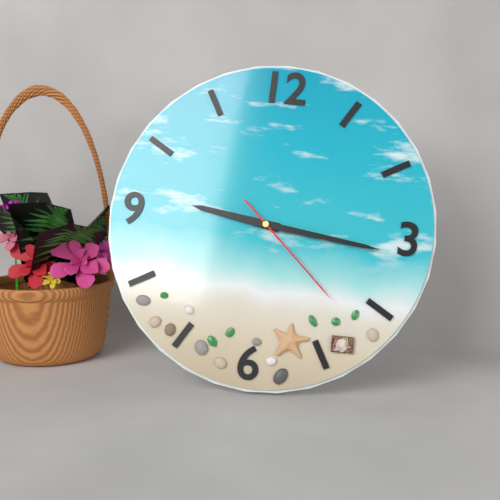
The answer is **9:16:22**
